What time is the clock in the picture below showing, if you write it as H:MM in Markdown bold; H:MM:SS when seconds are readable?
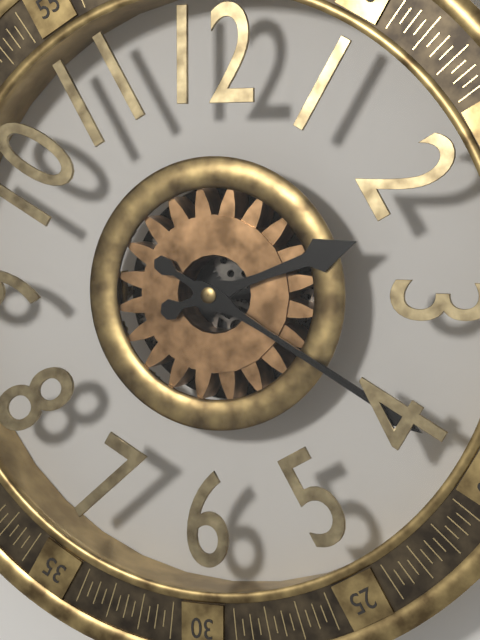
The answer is **2:20**
